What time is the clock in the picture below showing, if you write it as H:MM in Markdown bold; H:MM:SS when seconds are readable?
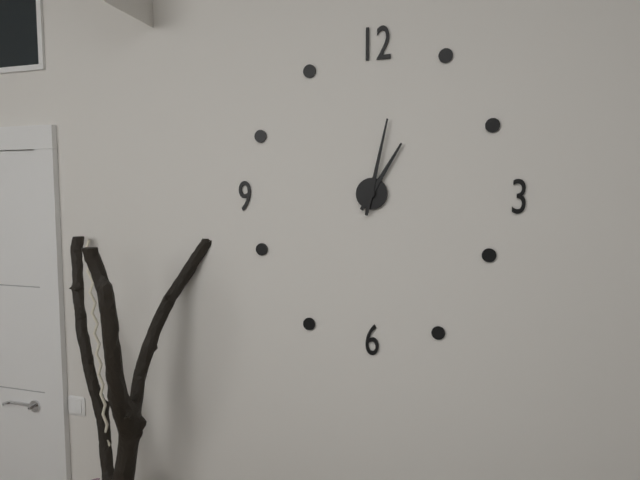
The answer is **1:02**
